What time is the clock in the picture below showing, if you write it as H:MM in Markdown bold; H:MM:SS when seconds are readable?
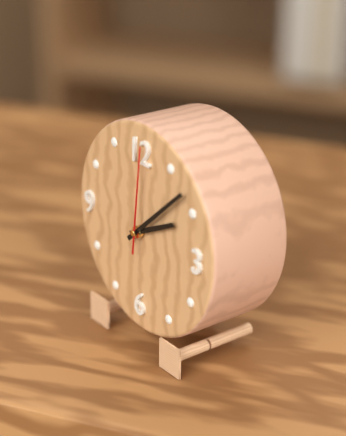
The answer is **2:08:01**
